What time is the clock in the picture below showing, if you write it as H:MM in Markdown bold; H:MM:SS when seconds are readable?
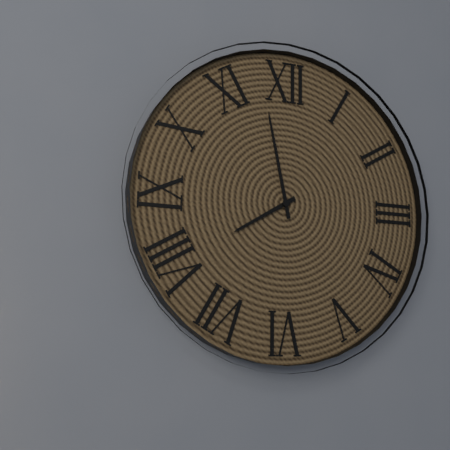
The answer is **7:58**
